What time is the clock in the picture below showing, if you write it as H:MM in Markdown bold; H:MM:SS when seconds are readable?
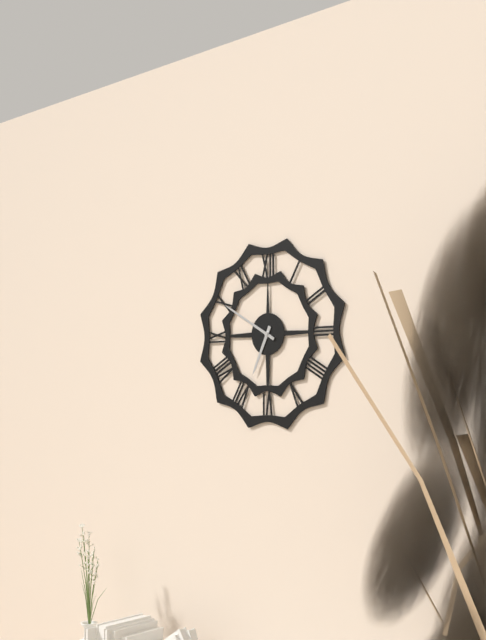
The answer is **6:50**
